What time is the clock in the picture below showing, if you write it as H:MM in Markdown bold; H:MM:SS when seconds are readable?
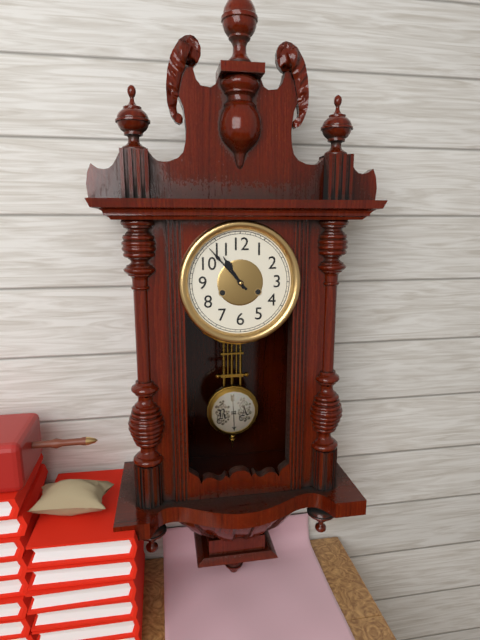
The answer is **10:53**
